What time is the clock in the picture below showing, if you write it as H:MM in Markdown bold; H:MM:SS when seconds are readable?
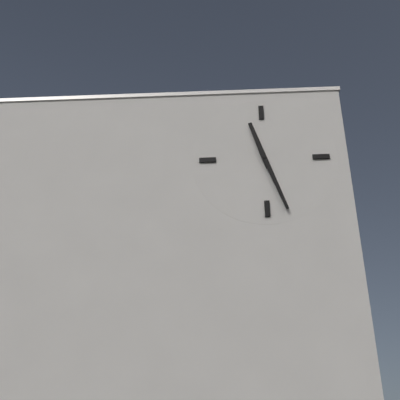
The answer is **11:27**
